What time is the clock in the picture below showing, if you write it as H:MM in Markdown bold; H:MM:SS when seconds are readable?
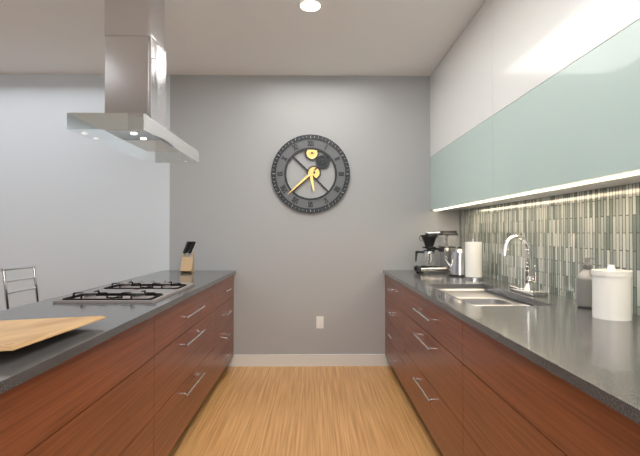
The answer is **5:38**
